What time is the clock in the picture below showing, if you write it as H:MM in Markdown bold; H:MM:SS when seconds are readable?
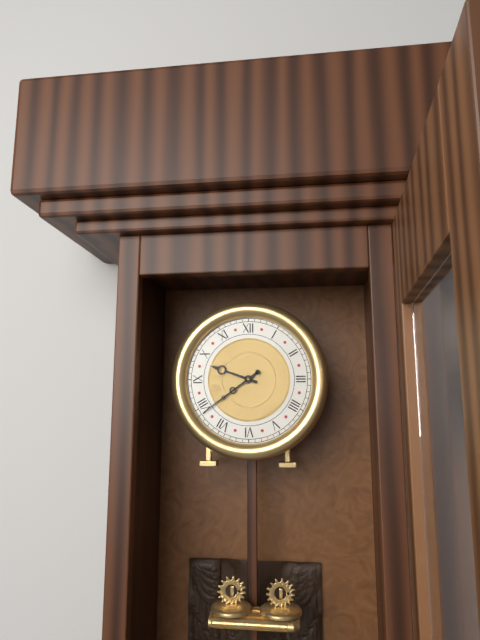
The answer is **9:39**
